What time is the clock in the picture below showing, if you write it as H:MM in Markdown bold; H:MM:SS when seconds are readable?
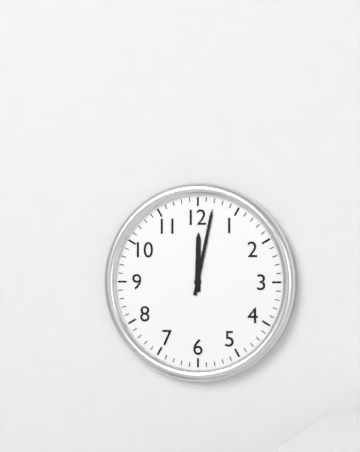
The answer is **12:02**
